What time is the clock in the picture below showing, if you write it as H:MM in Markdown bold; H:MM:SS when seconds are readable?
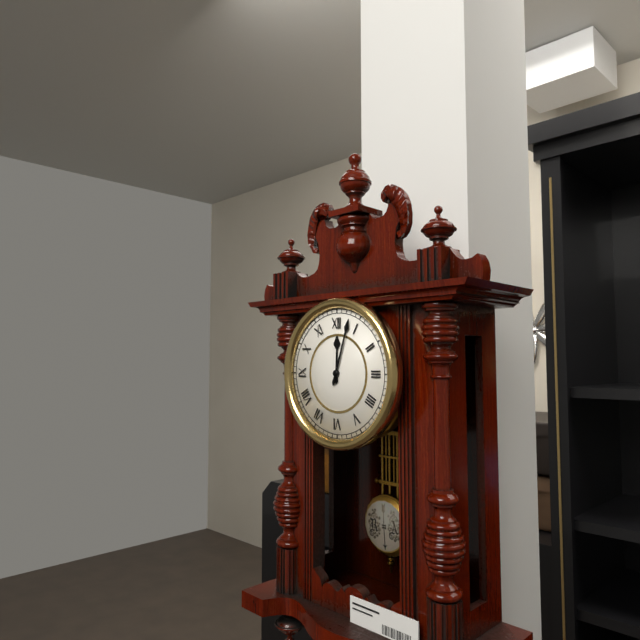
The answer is **12:03**
